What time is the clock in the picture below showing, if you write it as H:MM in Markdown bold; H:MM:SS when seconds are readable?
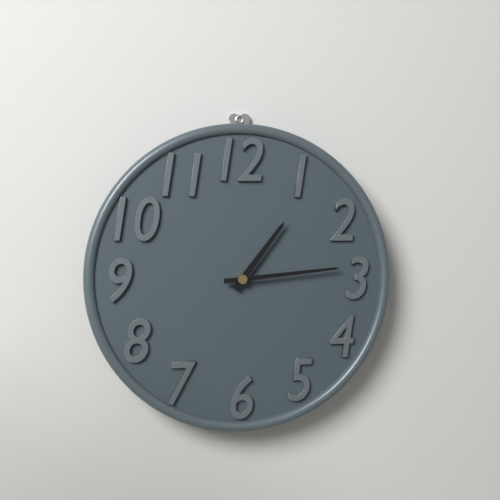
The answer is **1:14**
